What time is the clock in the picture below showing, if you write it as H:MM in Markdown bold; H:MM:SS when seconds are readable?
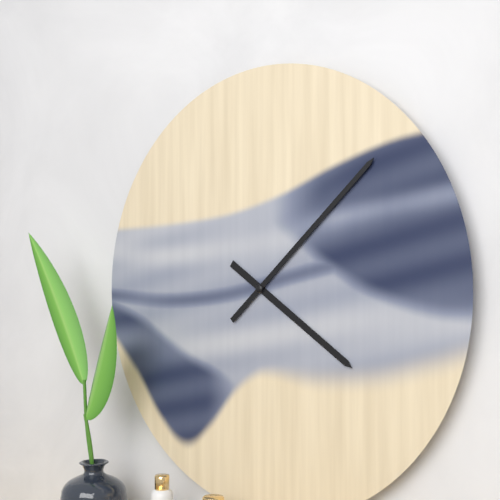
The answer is **4:08**
